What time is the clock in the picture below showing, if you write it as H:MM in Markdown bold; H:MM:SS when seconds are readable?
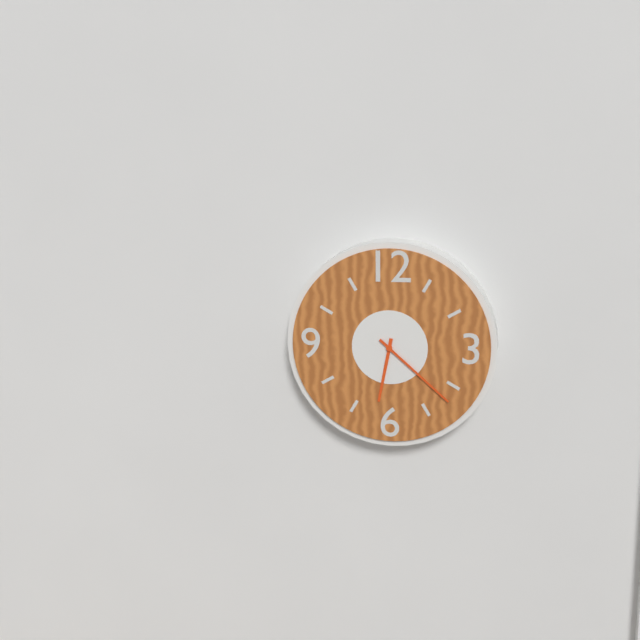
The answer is **6:22**
